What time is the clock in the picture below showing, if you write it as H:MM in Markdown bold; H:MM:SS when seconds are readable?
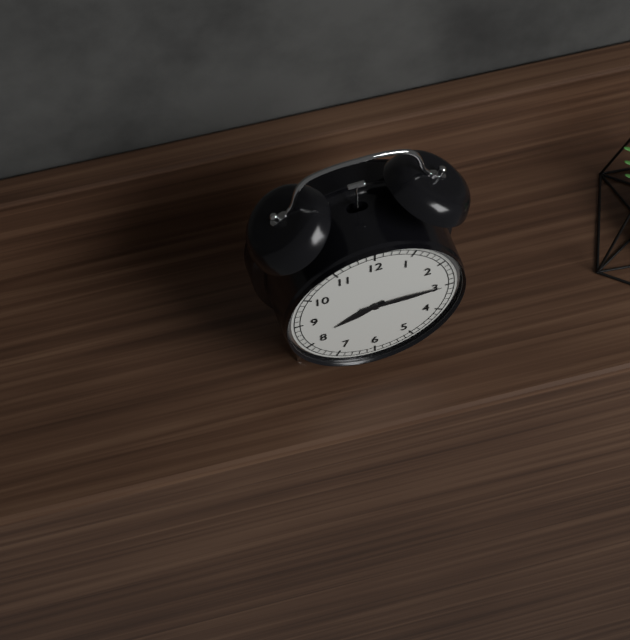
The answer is **8:15**
